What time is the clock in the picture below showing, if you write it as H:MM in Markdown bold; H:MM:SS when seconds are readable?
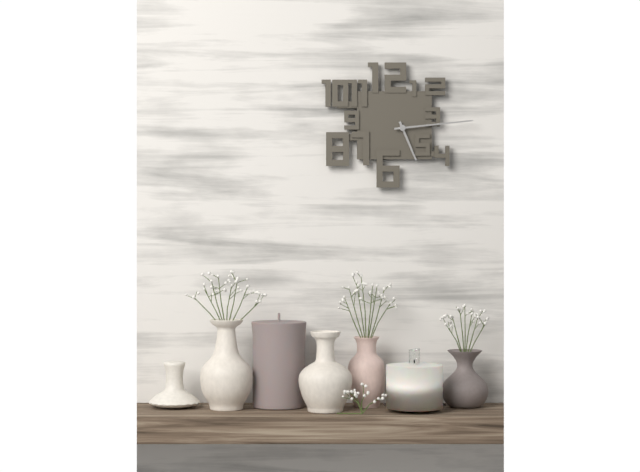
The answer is **5:14**
